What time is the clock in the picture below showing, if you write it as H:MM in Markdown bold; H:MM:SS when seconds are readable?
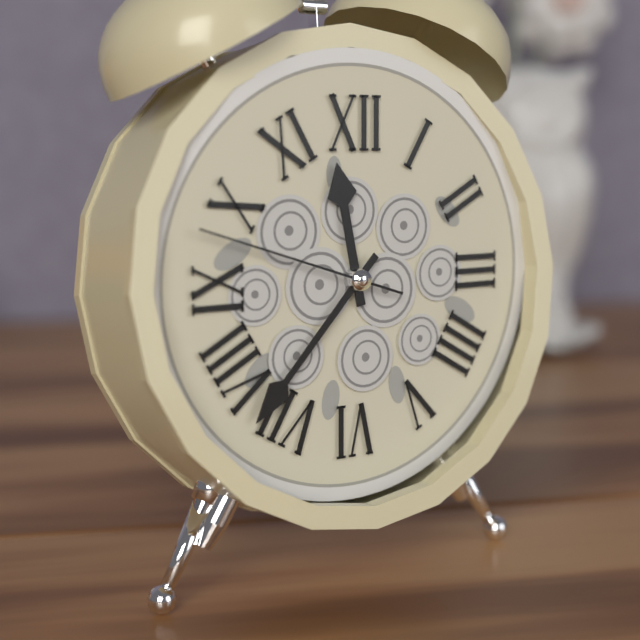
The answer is **11:37:48**
